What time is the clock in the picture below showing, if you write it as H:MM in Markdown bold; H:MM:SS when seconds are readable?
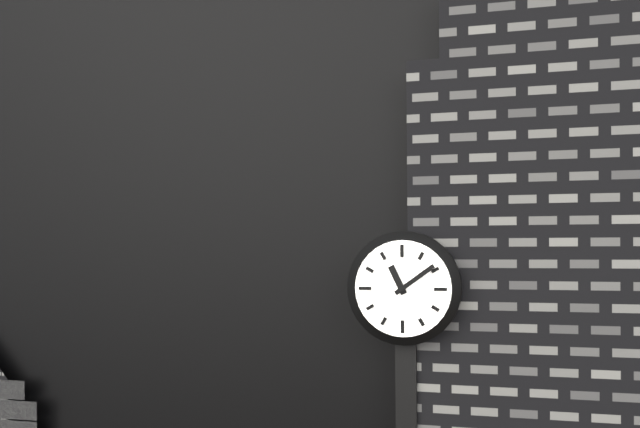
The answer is **11:09**
